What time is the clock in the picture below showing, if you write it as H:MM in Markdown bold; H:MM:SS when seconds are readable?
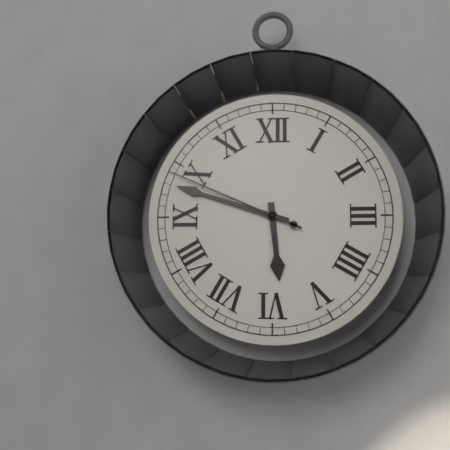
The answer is **5:48:49**
